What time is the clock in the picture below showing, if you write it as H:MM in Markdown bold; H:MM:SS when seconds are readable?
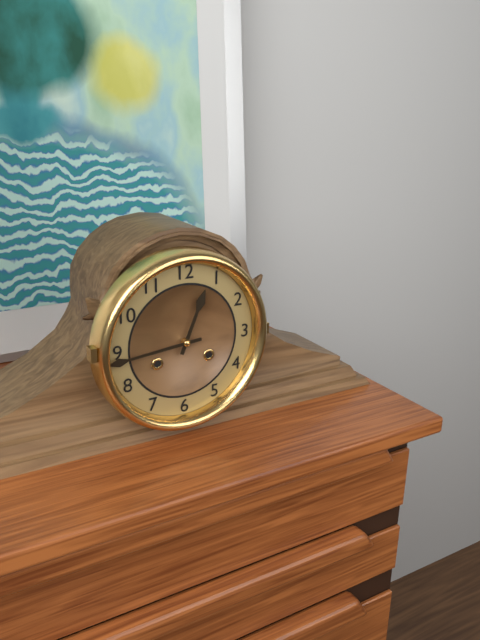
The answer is **12:44**
